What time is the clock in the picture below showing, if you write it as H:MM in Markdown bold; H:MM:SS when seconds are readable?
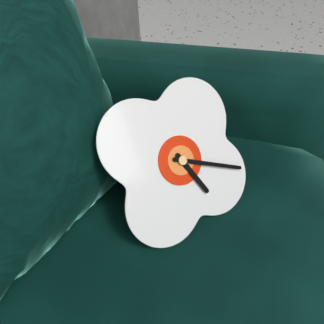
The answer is **5:20**
